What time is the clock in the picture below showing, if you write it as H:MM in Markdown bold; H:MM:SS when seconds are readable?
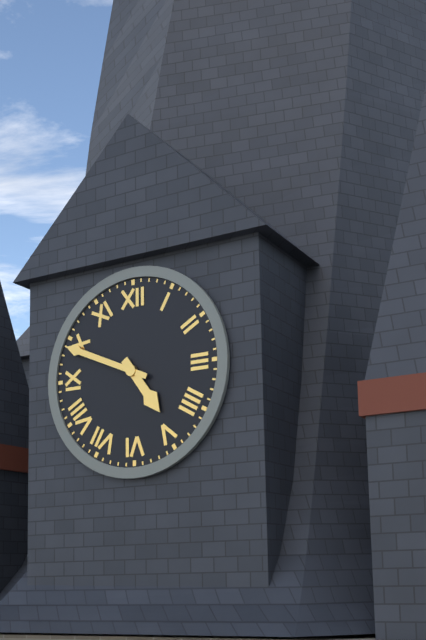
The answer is **4:49**
